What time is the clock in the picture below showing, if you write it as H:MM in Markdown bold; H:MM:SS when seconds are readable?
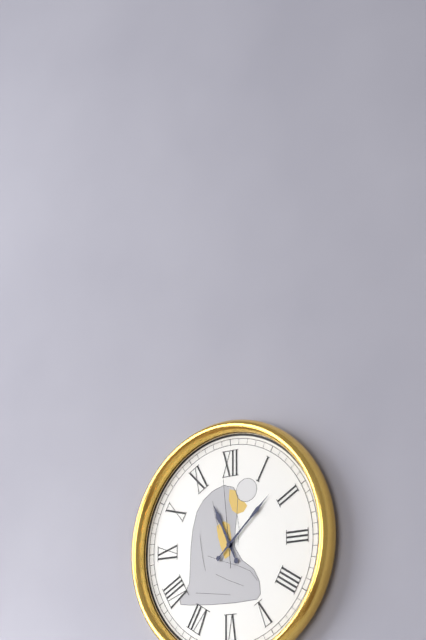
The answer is **11:08:59**
